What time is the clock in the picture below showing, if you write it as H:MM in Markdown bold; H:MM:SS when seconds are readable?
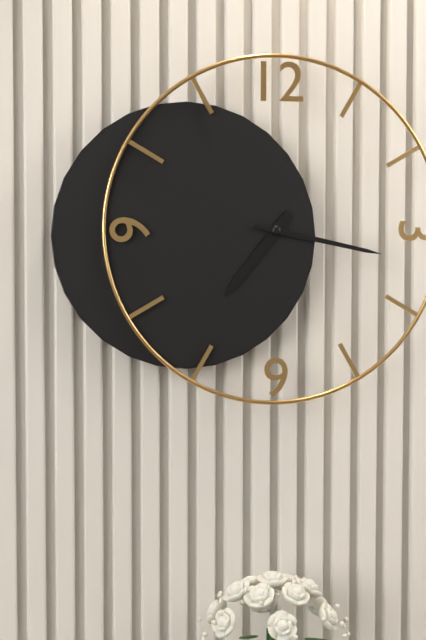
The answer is **7:17**
